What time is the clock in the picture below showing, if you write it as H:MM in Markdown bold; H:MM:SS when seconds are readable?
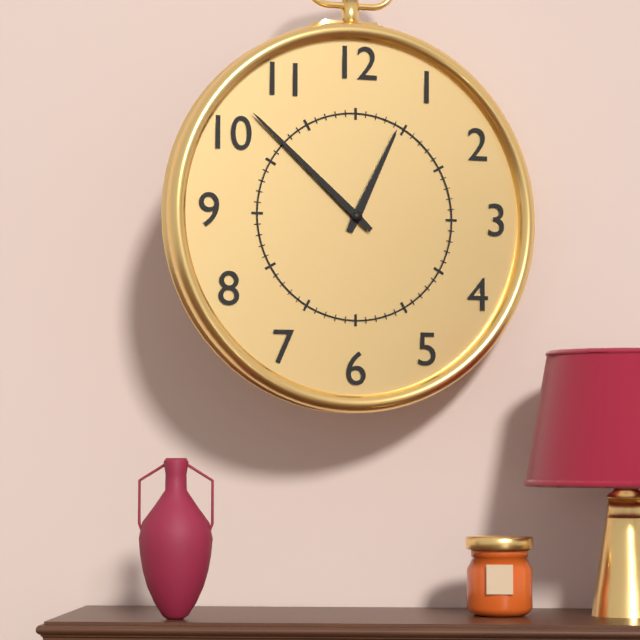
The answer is **12:52**
